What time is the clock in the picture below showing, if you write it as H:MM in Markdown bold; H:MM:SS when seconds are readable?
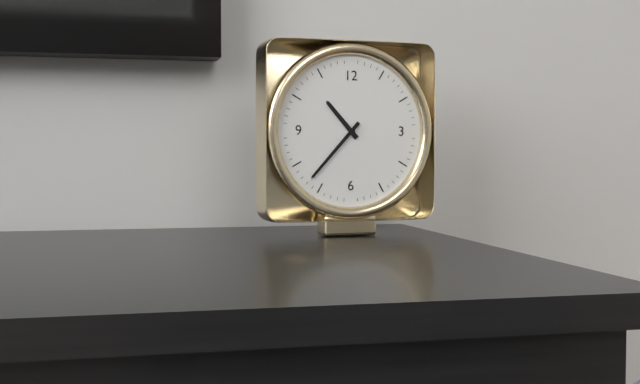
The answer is **10:37**
